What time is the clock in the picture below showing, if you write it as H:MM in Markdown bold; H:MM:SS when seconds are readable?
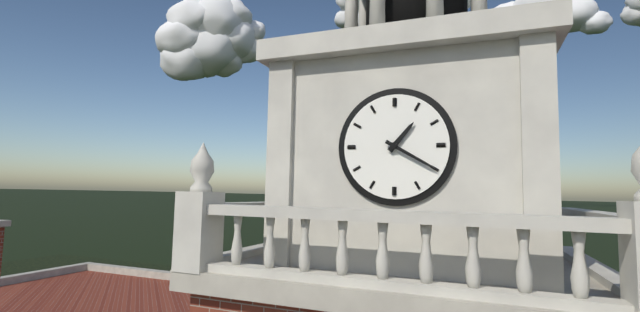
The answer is **1:20**
